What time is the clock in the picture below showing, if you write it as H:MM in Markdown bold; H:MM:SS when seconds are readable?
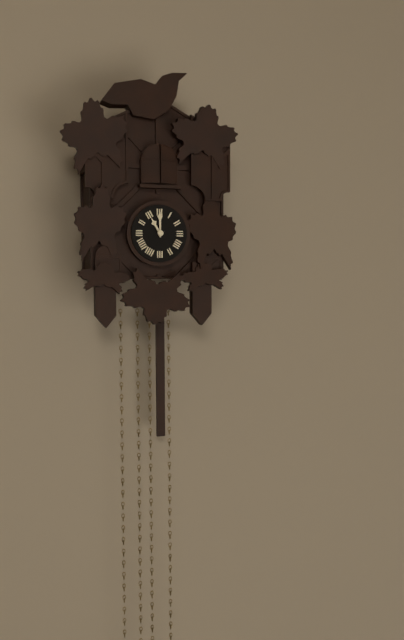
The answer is **11:00**
